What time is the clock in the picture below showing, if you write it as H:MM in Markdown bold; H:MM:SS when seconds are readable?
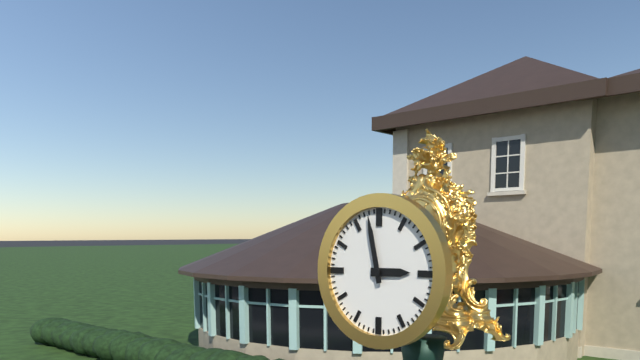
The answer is **2:58**
